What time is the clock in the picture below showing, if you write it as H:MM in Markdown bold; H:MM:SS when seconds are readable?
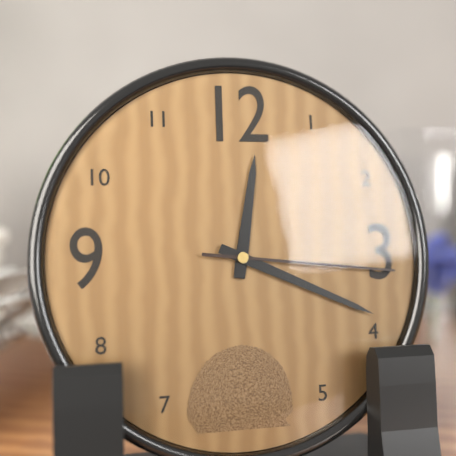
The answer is **12:19:16**
